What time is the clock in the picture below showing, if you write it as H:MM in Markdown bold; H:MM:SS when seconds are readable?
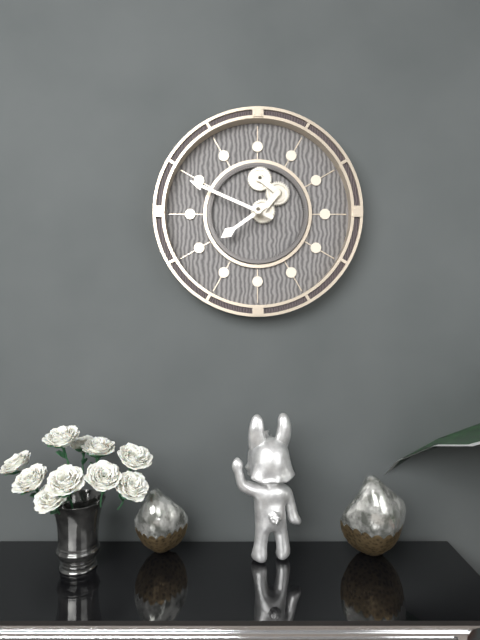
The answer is **7:49**
